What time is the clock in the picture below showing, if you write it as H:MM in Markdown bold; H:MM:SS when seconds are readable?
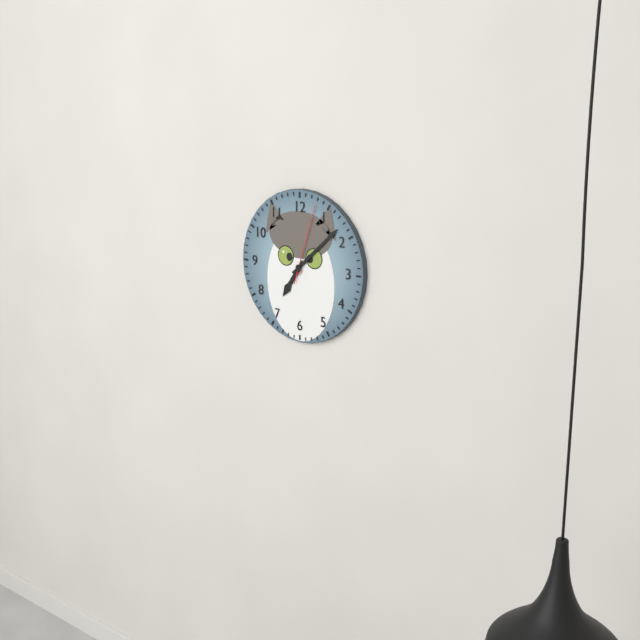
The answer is **7:08:03**
